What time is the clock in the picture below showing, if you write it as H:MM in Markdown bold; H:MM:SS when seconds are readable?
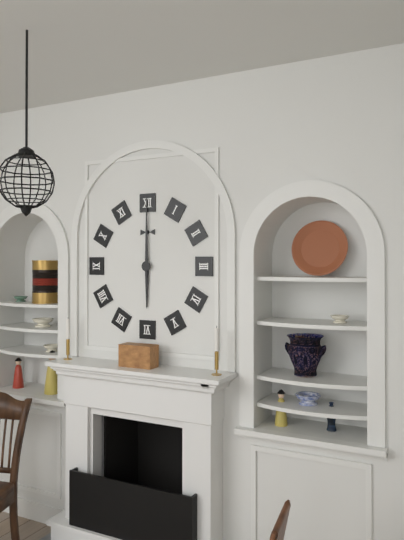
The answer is **6:00**
